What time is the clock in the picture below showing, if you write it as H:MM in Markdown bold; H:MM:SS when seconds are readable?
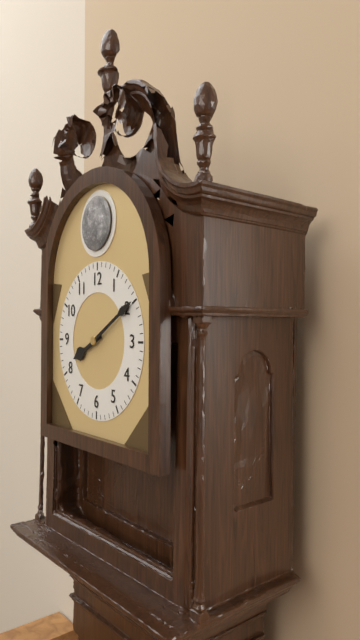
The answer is **8:10**
